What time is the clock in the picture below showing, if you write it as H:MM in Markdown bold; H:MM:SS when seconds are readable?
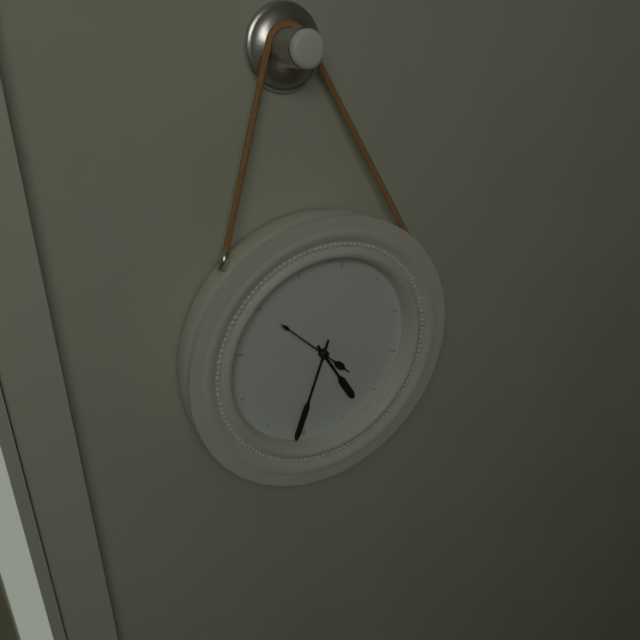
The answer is **4:31:50**
